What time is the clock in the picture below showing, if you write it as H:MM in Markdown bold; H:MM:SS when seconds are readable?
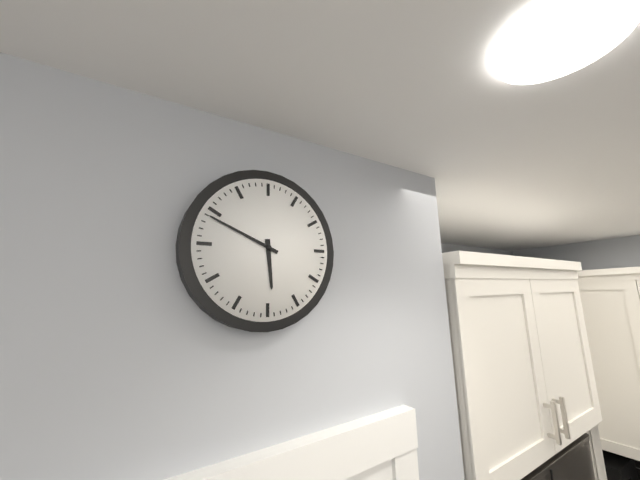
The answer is **5:49**
